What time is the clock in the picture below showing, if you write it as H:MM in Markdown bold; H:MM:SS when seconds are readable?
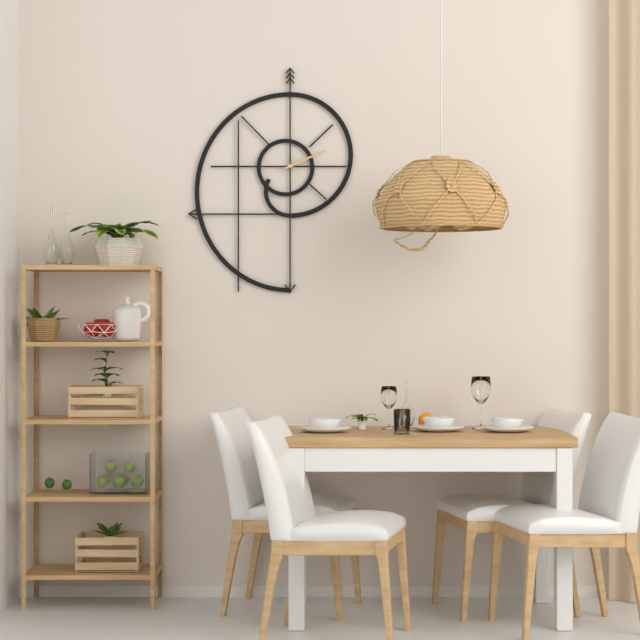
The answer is **2:11**
